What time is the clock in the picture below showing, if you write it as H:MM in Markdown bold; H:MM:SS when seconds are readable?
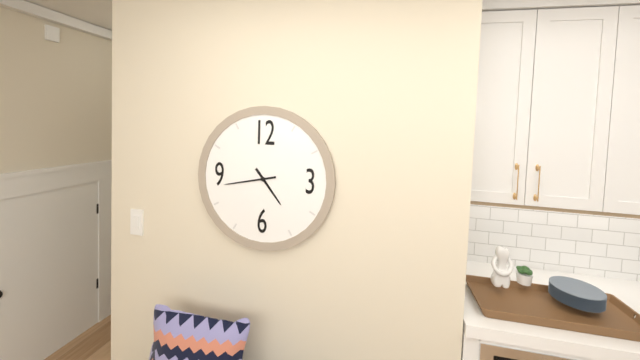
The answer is **4:43**
